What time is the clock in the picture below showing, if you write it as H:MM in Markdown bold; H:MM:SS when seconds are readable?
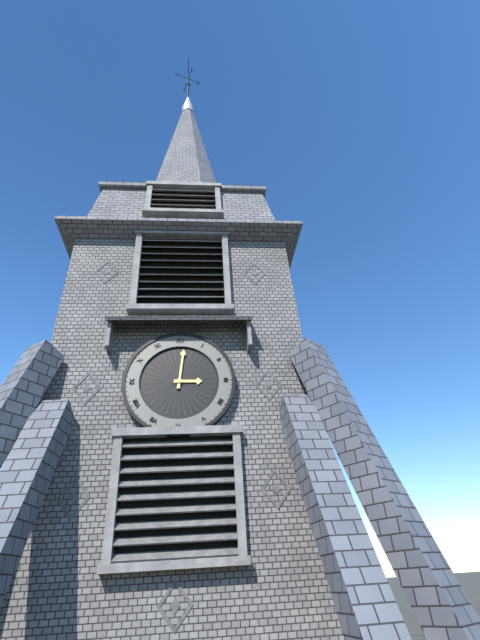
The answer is **3:01**
